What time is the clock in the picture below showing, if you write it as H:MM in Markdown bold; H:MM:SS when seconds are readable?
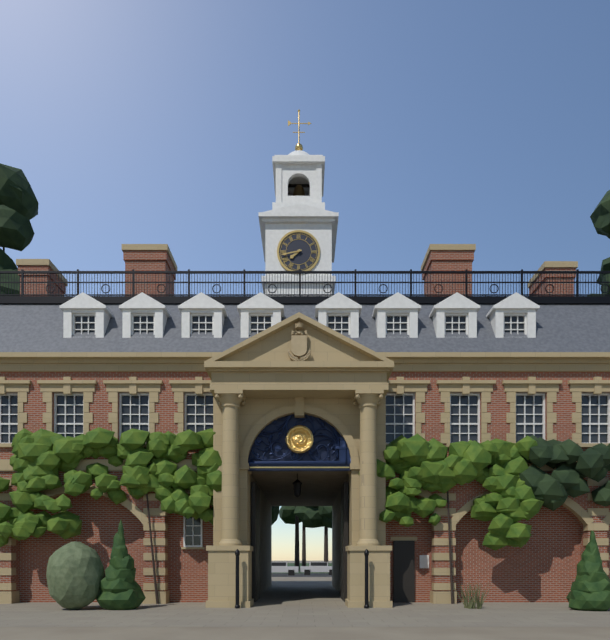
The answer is **7:43**
